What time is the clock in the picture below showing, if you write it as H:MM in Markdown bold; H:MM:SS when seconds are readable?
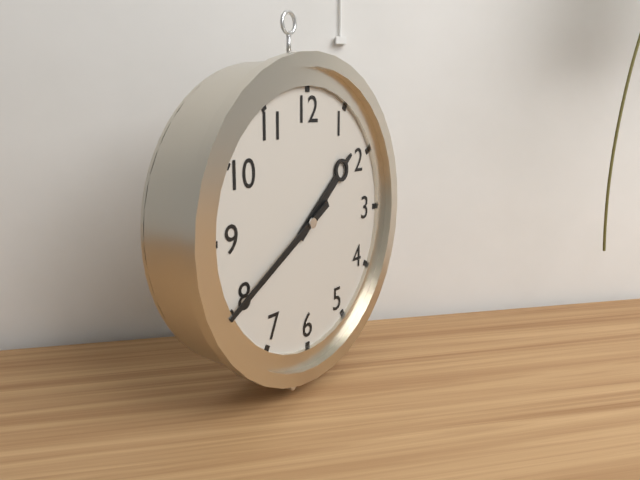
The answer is **1:40**
